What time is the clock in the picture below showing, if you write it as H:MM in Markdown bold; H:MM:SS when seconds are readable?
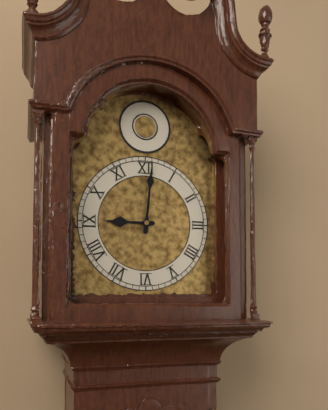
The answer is **9:01**
